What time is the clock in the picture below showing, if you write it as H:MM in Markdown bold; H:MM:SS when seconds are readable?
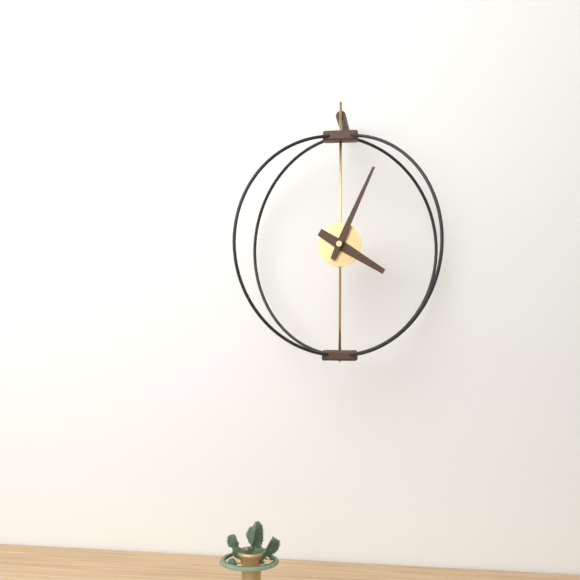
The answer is **4:04**
